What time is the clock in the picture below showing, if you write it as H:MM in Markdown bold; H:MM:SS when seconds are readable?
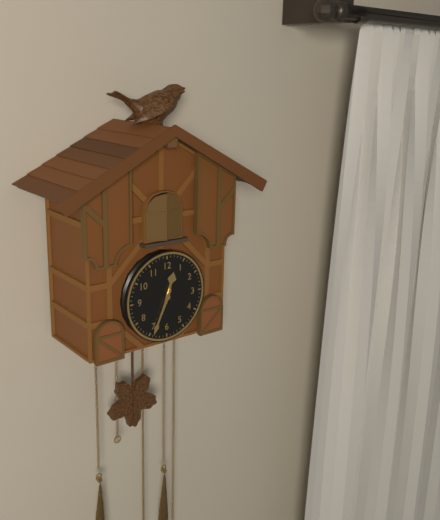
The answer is **12:34**
